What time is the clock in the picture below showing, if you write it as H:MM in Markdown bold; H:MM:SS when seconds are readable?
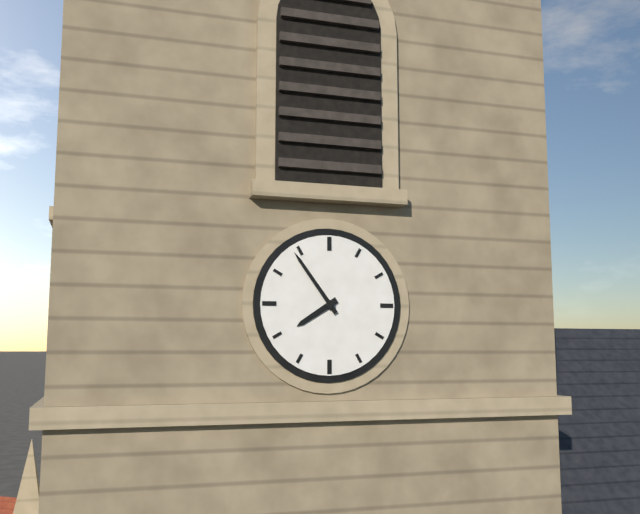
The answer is **7:54**
